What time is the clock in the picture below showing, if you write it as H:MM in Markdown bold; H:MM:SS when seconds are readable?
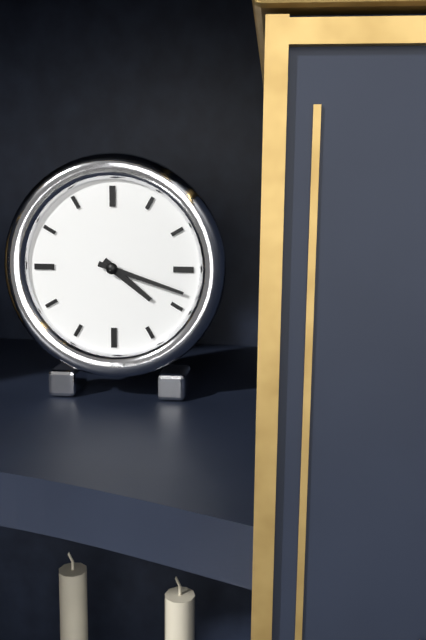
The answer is **4:18**
